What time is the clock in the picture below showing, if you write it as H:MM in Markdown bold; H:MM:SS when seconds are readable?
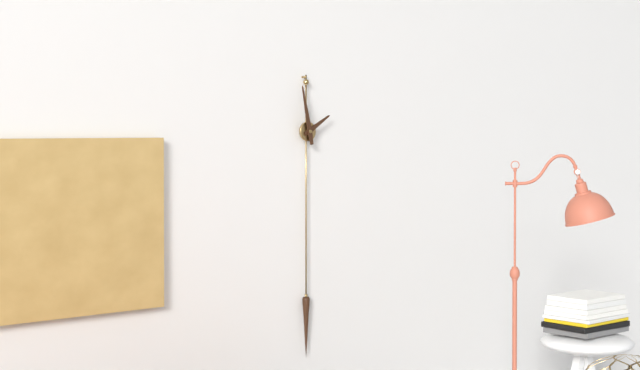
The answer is **1:58**
